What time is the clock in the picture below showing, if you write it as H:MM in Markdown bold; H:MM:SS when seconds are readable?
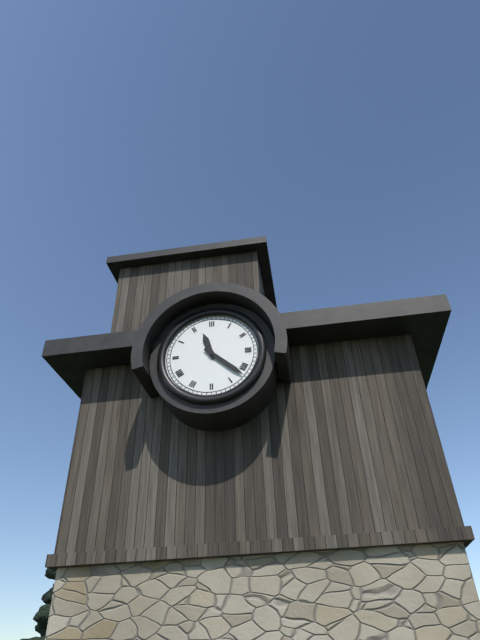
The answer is **11:22**
